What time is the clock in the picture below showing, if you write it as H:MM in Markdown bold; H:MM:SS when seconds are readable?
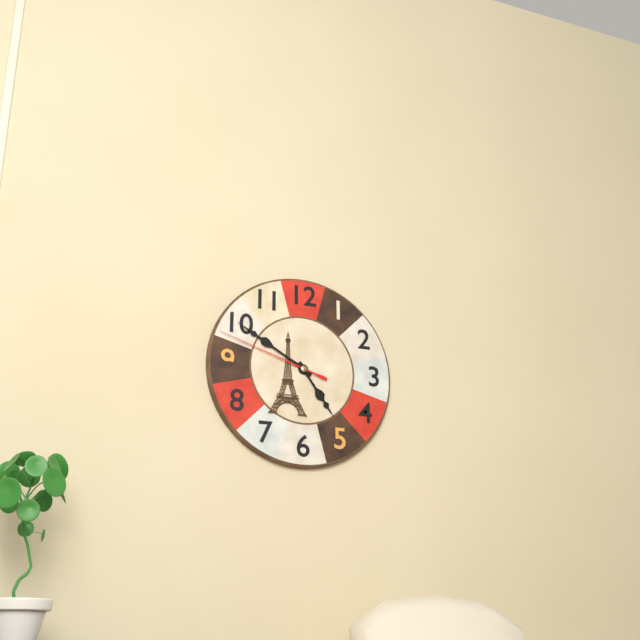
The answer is **4:50:48**
